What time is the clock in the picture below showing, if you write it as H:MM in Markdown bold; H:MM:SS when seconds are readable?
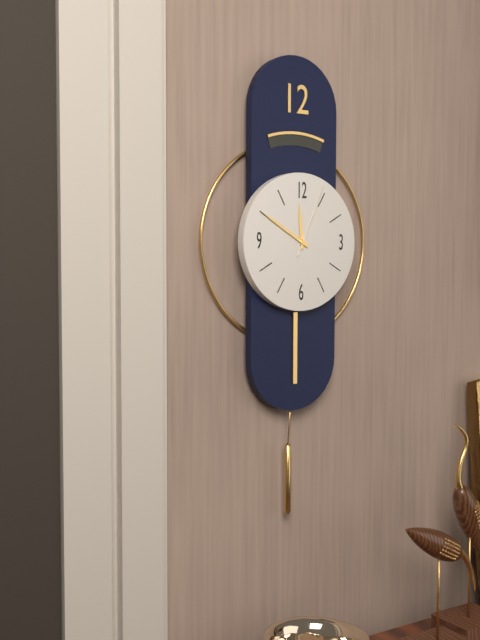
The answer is **11:50:04**
